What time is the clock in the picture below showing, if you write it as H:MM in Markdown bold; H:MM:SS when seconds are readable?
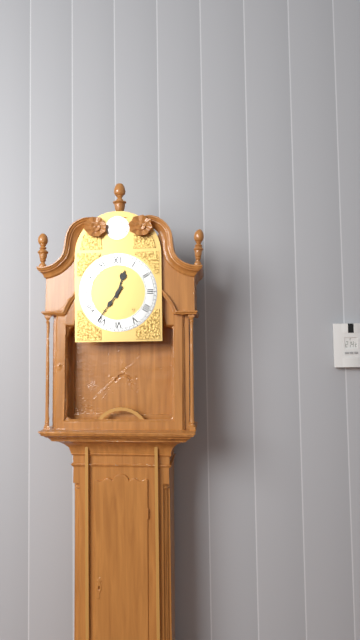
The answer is **12:36**
